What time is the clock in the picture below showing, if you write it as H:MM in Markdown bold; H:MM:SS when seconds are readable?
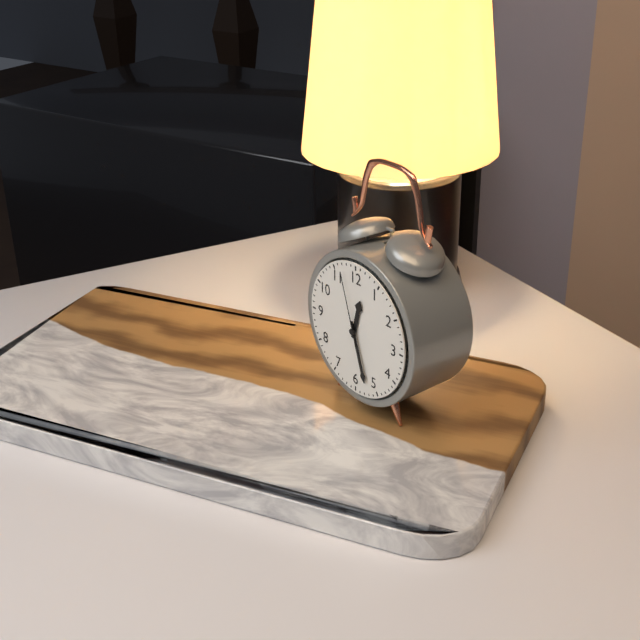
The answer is **12:27:57**
